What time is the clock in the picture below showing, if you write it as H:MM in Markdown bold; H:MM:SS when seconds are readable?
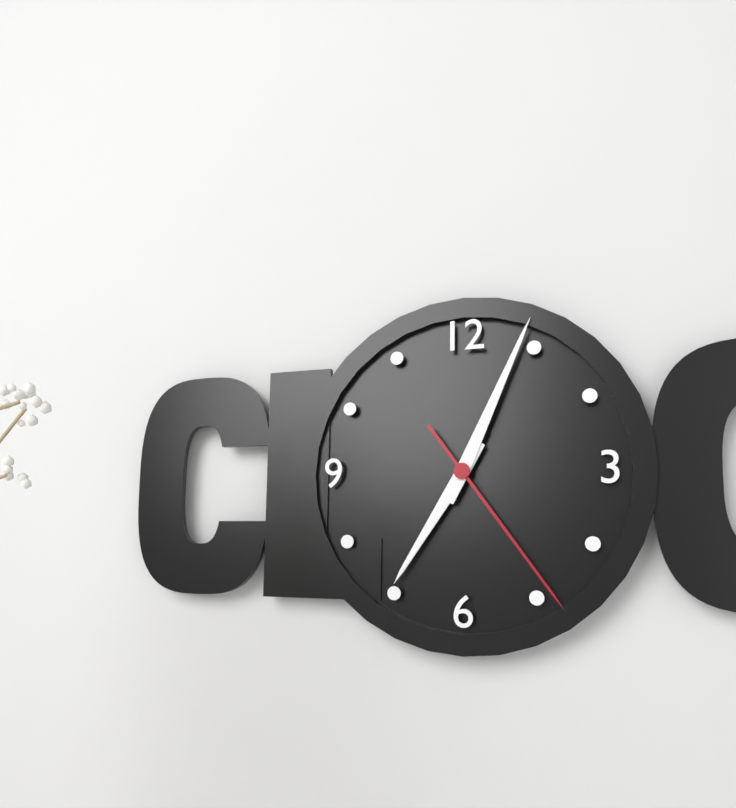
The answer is **7:04:24**
